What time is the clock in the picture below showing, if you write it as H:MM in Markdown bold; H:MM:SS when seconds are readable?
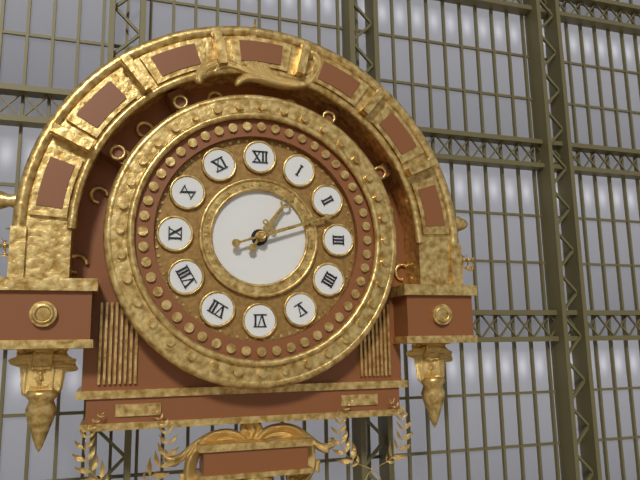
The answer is **1:12**
